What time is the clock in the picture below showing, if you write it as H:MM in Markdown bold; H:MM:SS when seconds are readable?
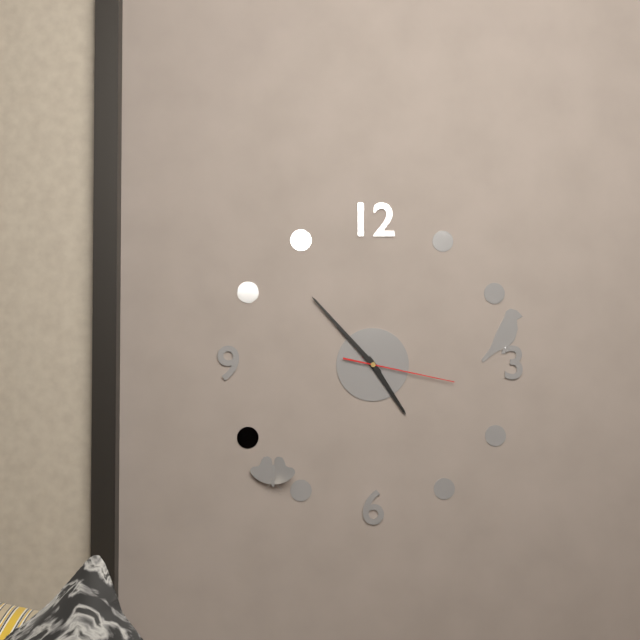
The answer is **4:53:17**
